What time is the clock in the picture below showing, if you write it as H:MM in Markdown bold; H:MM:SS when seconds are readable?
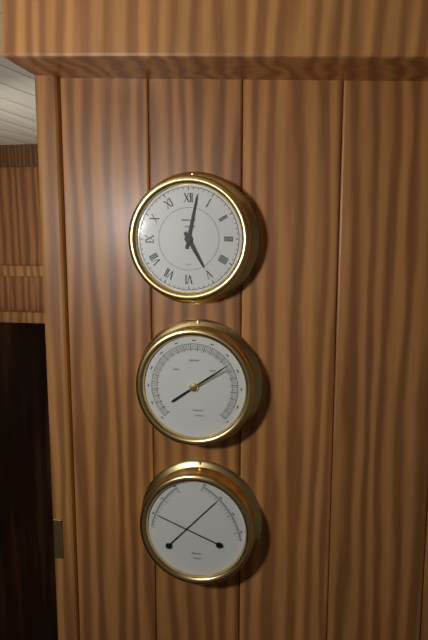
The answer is **5:02**
